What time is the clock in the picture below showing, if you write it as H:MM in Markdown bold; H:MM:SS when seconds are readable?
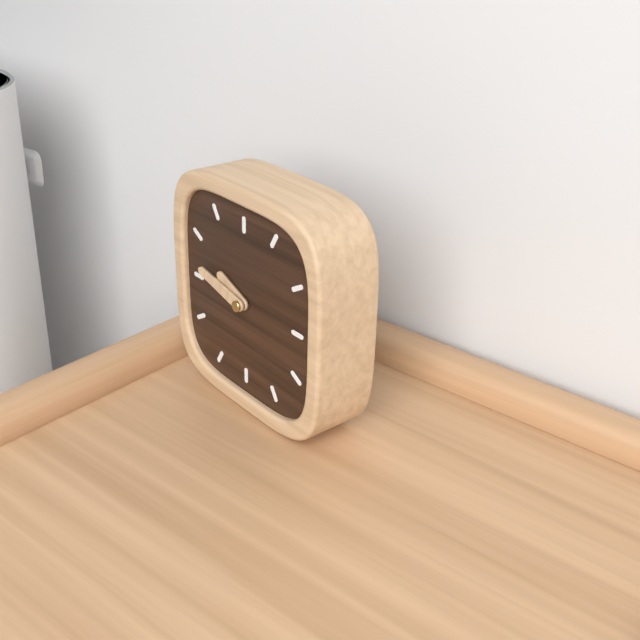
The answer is **9:47**
